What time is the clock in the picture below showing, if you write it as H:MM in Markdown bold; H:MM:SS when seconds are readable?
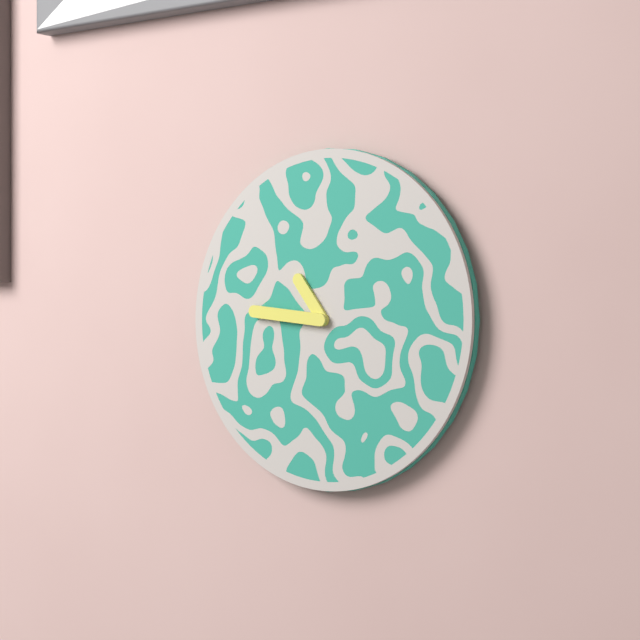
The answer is **10:46**
